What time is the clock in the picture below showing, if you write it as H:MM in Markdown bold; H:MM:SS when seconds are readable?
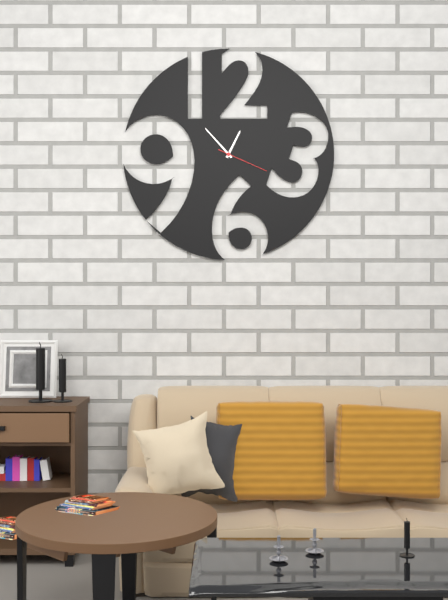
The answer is **12:53:19**
